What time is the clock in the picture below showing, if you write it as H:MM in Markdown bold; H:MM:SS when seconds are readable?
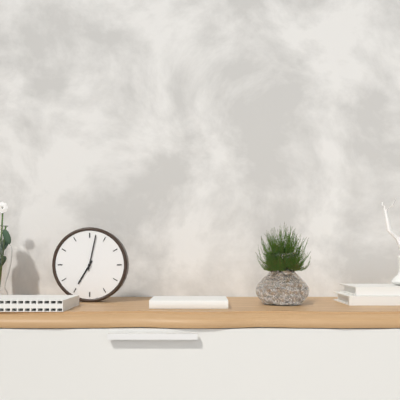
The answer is **7:02**
